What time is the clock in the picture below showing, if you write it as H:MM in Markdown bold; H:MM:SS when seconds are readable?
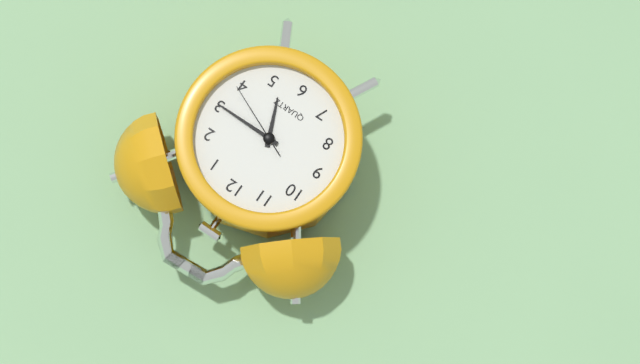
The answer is **5:15:19**
